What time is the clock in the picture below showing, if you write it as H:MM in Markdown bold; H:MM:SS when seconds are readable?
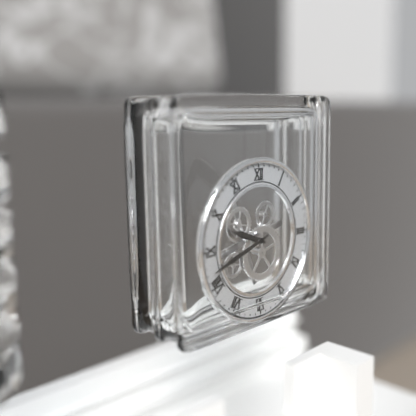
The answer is **9:42**
